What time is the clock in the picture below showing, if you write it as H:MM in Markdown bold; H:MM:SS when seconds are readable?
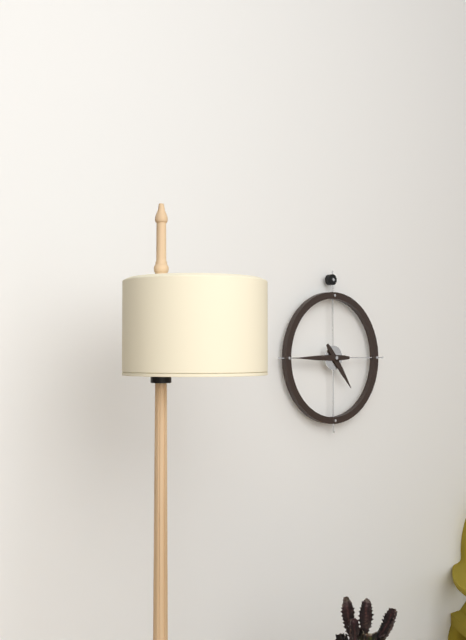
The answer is **4:45**
